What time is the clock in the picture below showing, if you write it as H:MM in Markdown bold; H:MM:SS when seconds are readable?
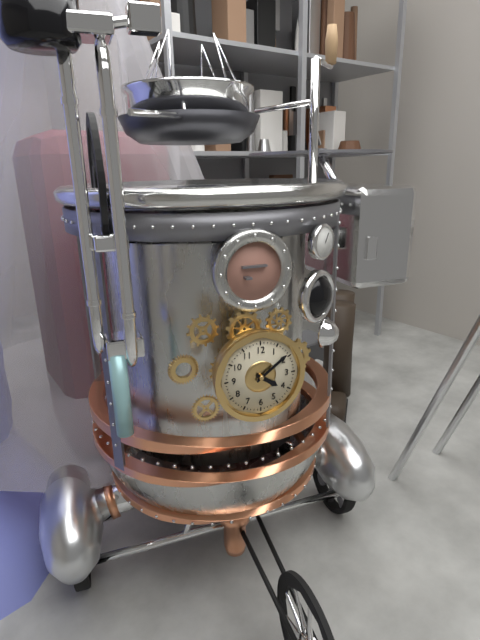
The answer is **4:09**
